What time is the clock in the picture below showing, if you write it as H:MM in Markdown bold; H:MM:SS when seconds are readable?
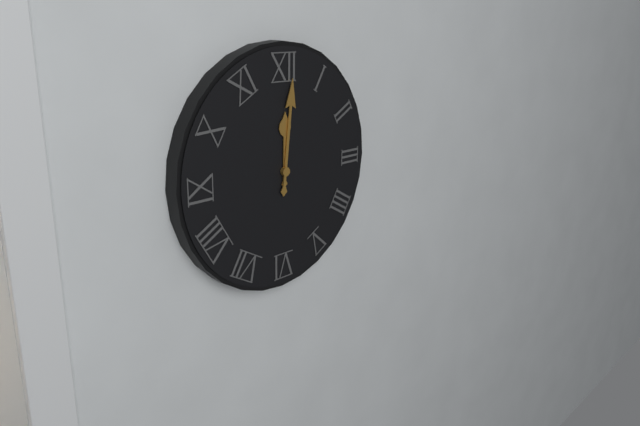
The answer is **12:01**
